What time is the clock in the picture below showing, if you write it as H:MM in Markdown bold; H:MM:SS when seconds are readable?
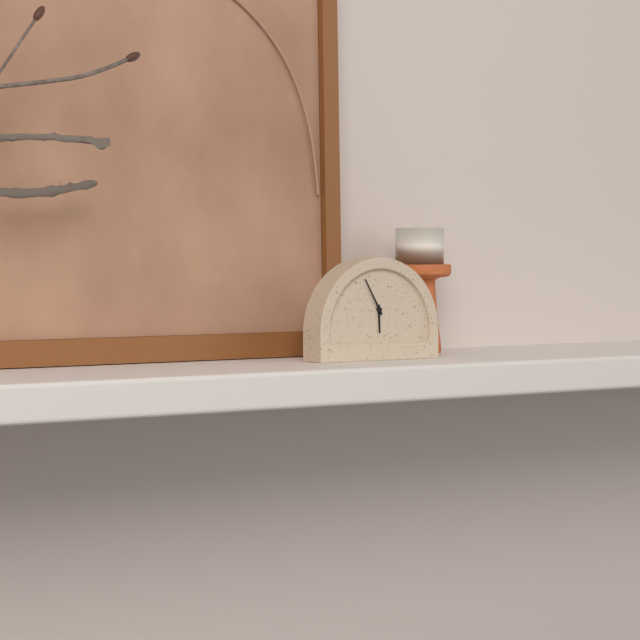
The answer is **5:55**
